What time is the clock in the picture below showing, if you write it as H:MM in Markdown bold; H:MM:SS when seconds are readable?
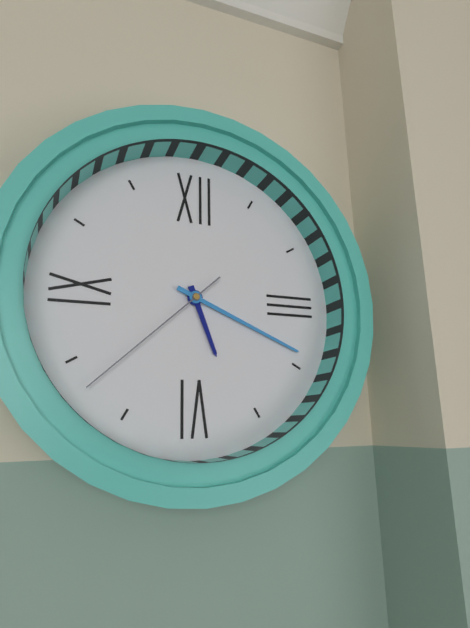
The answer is **5:19:38**
